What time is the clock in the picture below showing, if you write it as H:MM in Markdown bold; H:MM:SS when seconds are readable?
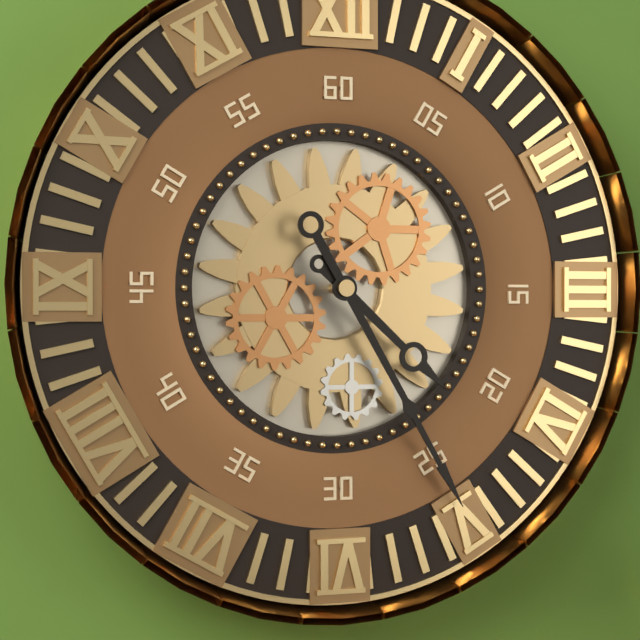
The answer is **4:25**
